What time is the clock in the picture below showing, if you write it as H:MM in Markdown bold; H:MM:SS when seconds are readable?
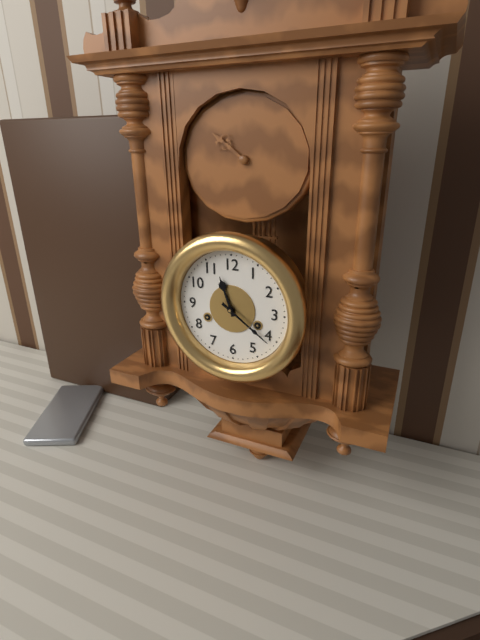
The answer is **11:21**
